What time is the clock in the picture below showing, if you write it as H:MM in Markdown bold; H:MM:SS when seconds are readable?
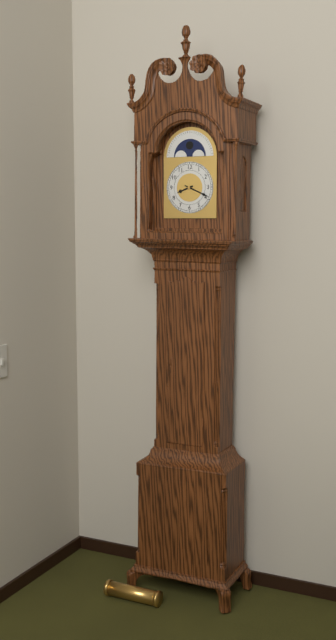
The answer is **8:19**
